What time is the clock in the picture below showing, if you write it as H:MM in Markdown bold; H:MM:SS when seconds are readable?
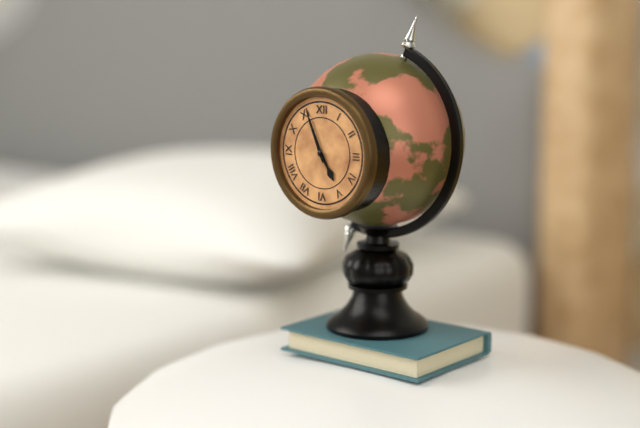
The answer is **4:56**
